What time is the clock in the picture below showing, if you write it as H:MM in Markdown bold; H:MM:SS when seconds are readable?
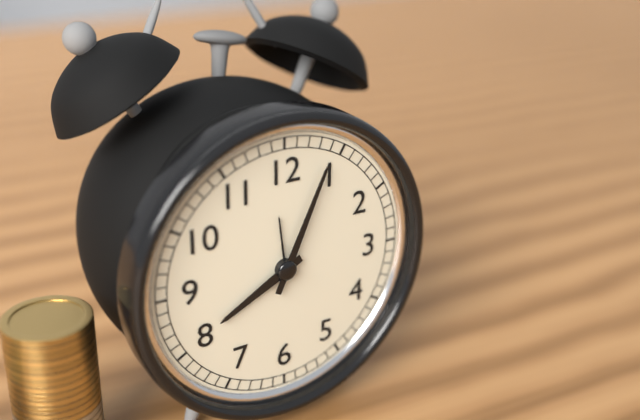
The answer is **8:04**
